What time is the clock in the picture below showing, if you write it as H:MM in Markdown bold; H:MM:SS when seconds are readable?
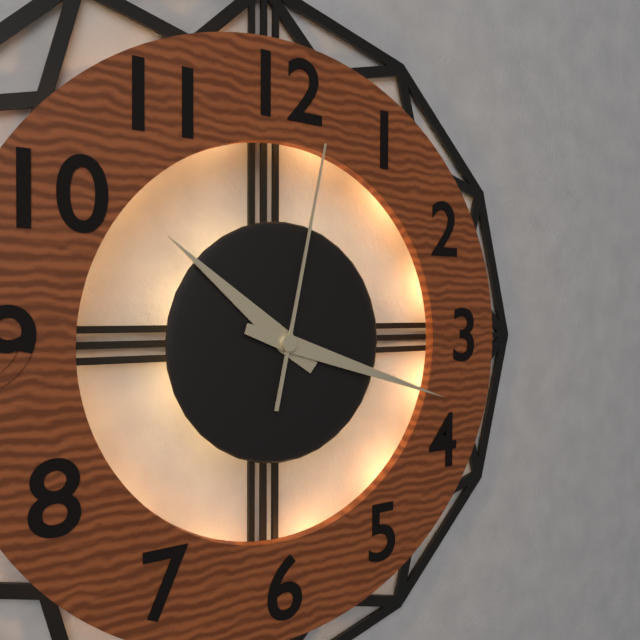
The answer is **10:18:02**
